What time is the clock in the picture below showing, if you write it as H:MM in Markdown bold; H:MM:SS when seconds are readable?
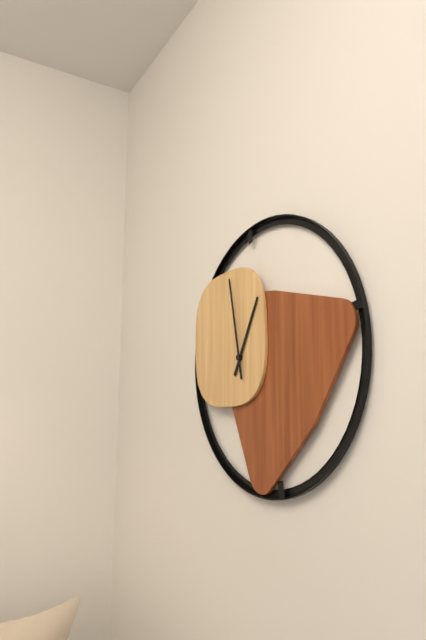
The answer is **12:58**
